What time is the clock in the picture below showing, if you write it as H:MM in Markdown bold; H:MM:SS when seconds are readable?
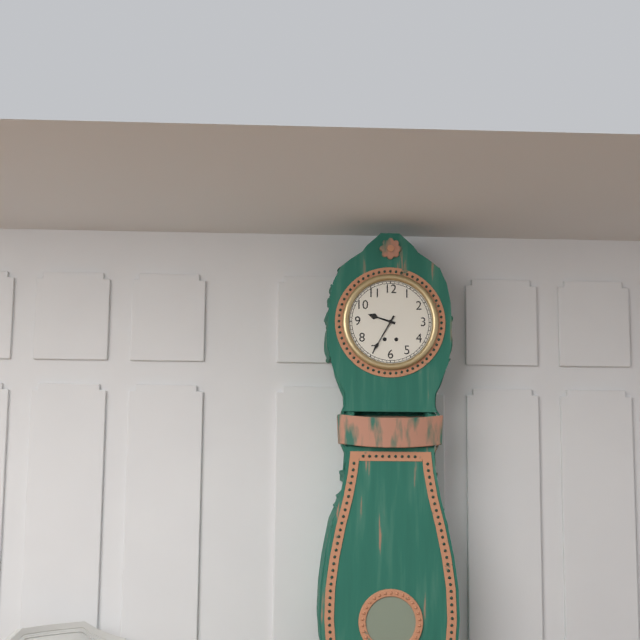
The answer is **9:35**
